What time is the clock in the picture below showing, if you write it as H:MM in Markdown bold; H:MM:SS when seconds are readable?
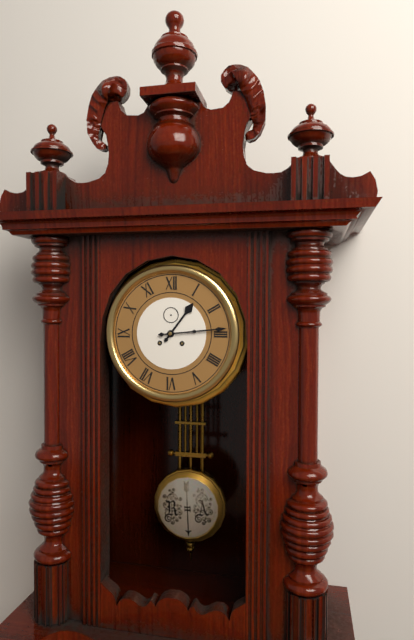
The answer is **1:14**
